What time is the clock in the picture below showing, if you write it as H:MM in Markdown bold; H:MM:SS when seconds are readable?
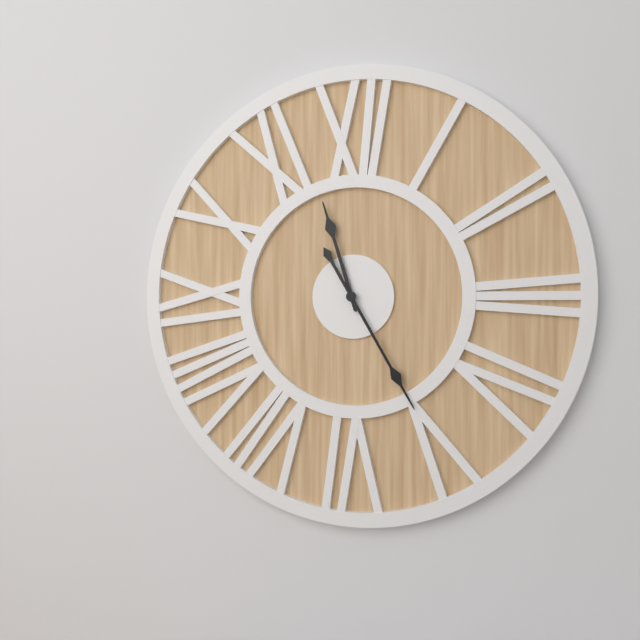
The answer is **11:25**
